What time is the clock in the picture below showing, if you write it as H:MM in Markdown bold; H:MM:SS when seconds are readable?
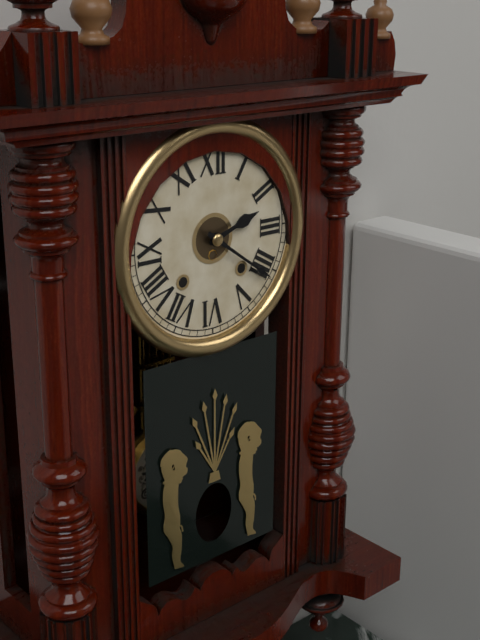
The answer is **2:21**
